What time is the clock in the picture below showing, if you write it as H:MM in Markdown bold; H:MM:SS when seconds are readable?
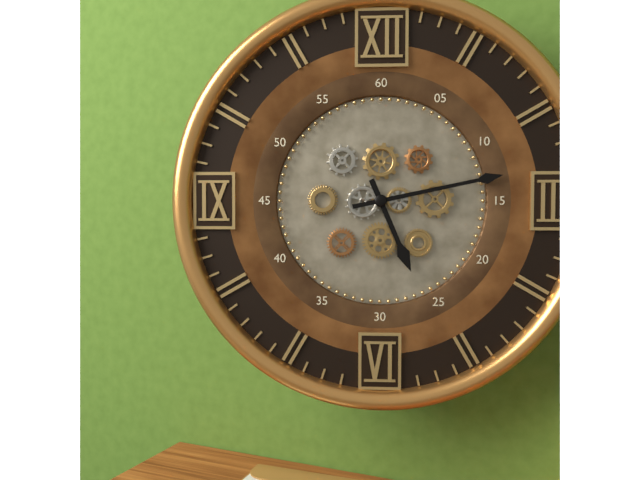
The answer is **5:13**
